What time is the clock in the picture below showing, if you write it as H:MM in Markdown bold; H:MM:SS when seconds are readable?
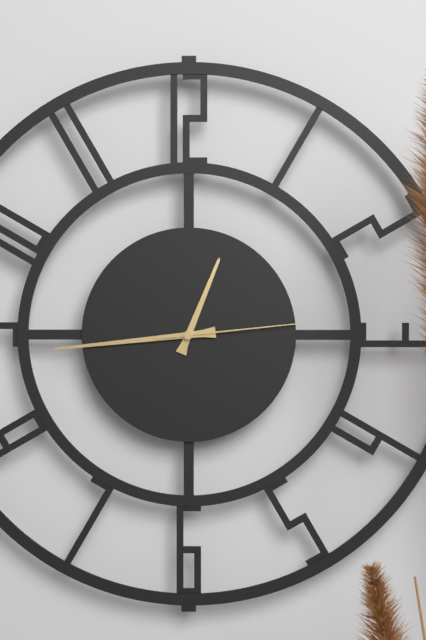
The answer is **12:44:14**
